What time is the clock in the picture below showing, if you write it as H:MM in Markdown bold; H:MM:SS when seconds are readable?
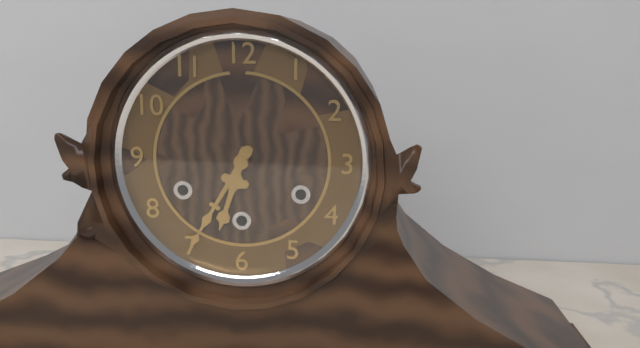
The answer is **6:35**
